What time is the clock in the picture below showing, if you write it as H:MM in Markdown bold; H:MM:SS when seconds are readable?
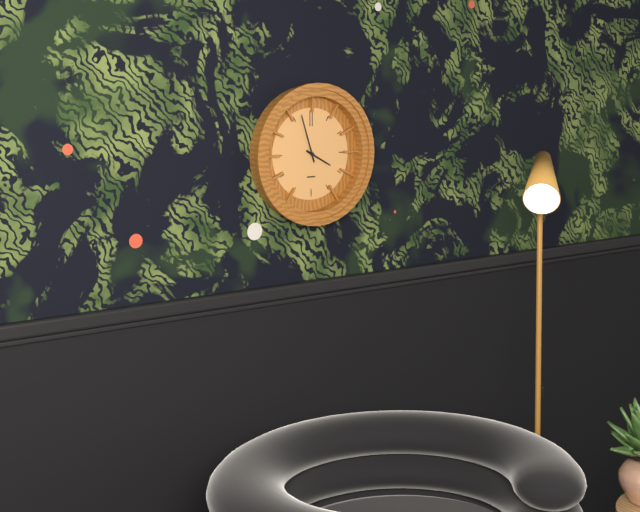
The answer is **3:57**
